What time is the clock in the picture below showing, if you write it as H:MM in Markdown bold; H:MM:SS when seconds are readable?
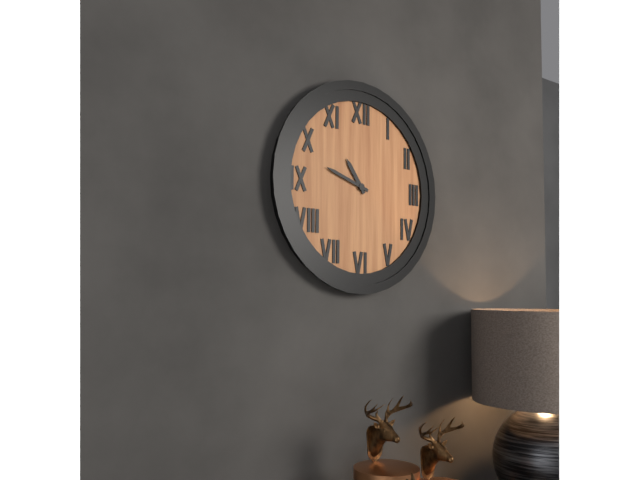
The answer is **10:48**
